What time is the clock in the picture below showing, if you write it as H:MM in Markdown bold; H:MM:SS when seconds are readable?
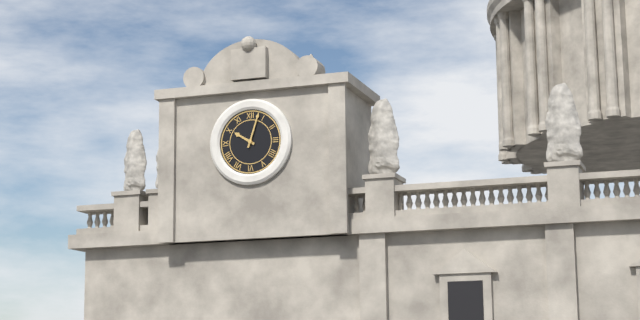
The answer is **10:03**
